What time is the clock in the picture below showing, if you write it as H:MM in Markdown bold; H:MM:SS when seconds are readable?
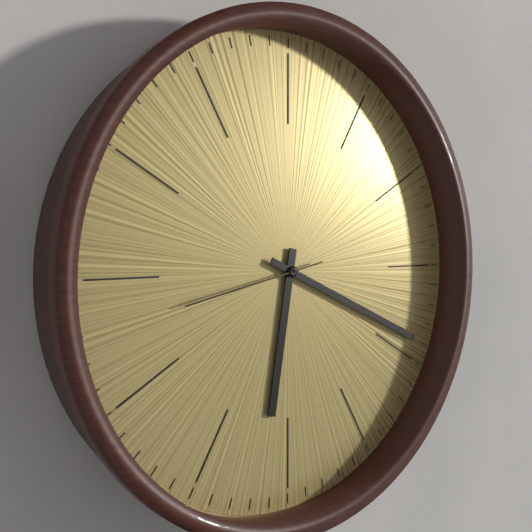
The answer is **6:19:43**
